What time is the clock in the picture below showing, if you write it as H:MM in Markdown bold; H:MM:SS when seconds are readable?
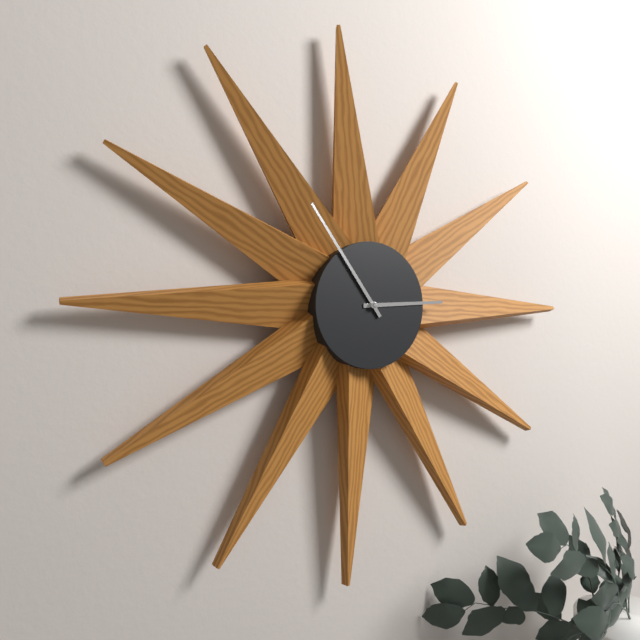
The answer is **2:54**
